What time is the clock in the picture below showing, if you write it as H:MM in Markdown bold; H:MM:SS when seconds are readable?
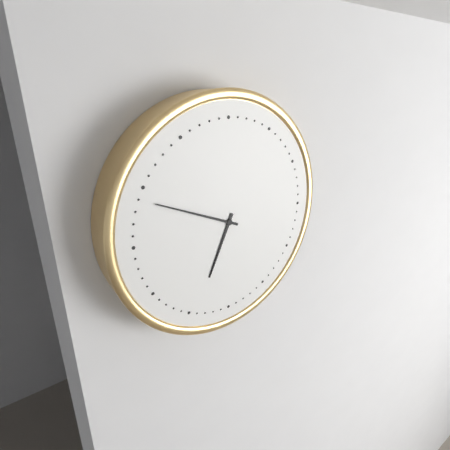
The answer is **6:49**
